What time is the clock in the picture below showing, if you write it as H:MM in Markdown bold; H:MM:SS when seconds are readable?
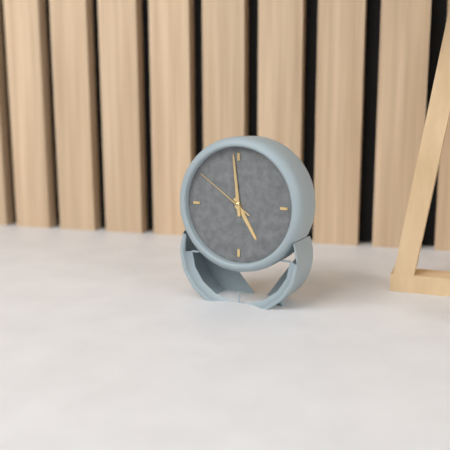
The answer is **4:59:51**
